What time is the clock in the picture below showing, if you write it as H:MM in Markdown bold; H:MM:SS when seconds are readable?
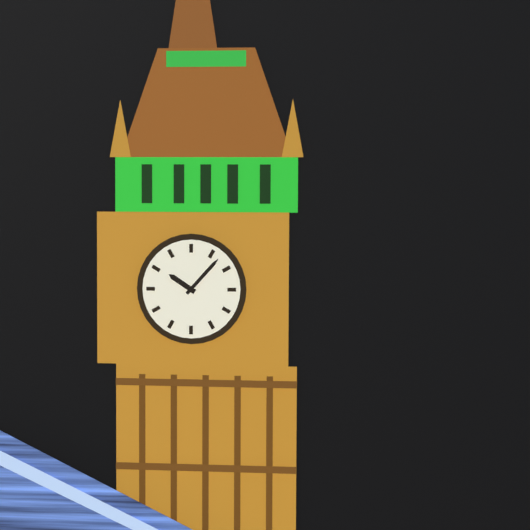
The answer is **10:07**
